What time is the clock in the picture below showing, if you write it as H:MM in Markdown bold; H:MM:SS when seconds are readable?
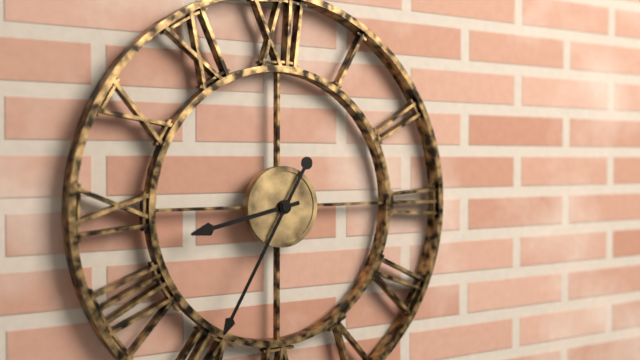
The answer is **8:35**
